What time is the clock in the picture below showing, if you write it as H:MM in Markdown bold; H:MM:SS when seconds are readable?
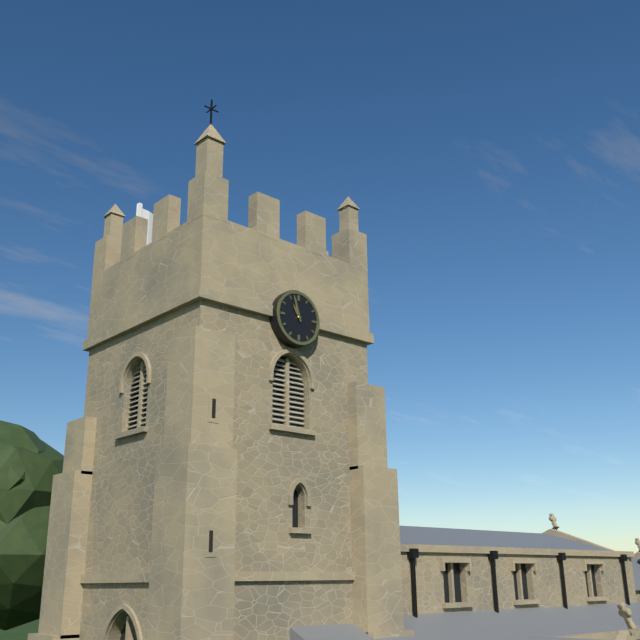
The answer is **10:57**
